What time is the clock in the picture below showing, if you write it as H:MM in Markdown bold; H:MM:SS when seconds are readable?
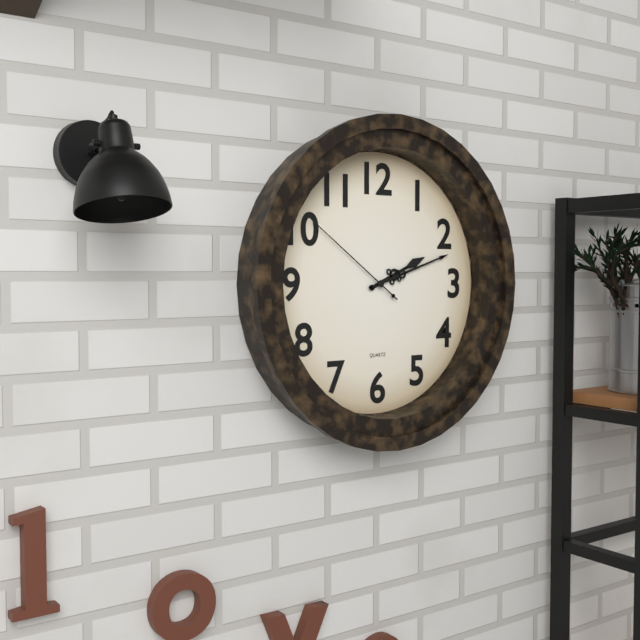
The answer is **2:12:51**
